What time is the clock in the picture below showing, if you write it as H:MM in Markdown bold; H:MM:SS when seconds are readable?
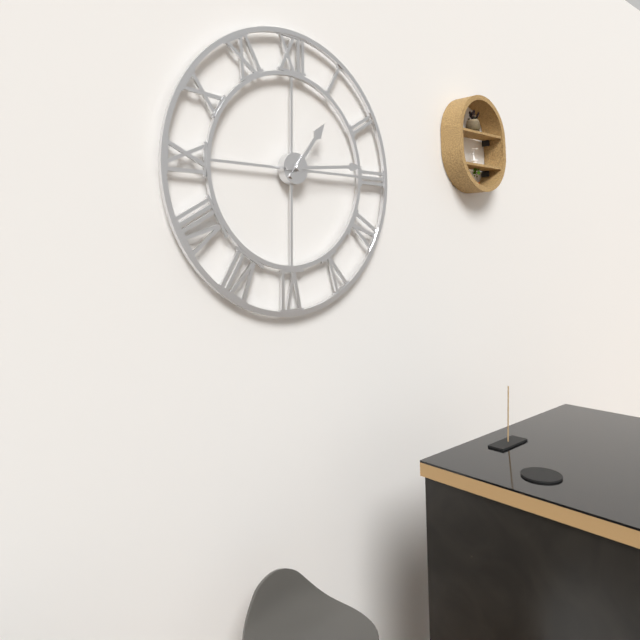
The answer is **1:14**
